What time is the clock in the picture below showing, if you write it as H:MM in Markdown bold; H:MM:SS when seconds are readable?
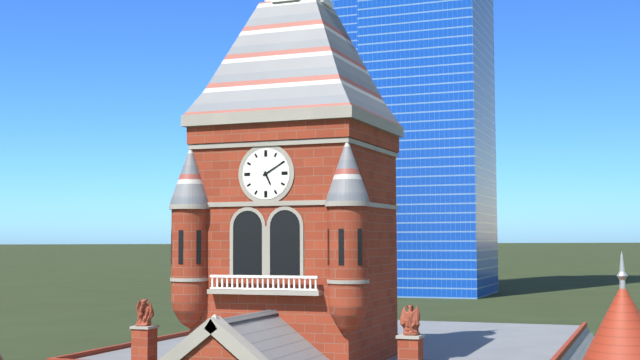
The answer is **5:10**
